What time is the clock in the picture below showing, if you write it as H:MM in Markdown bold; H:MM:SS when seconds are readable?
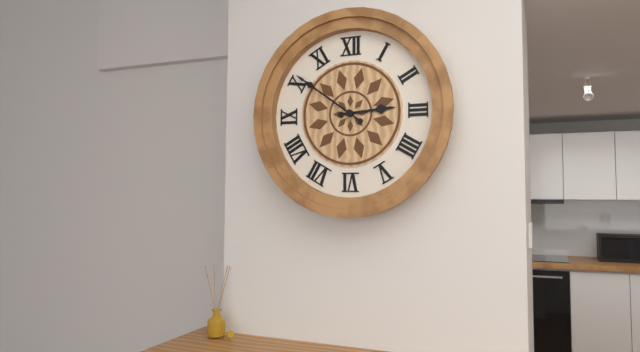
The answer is **2:51**
